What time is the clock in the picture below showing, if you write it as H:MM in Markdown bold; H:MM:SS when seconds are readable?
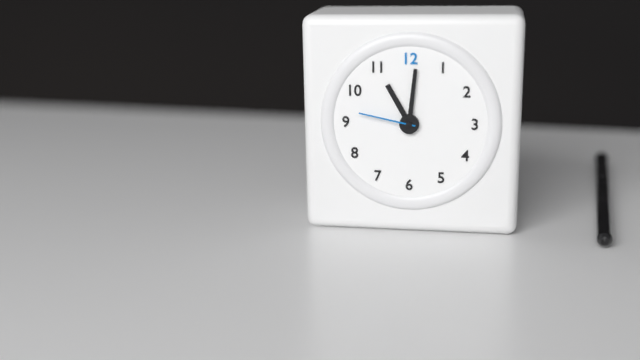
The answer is **11:01:47**
